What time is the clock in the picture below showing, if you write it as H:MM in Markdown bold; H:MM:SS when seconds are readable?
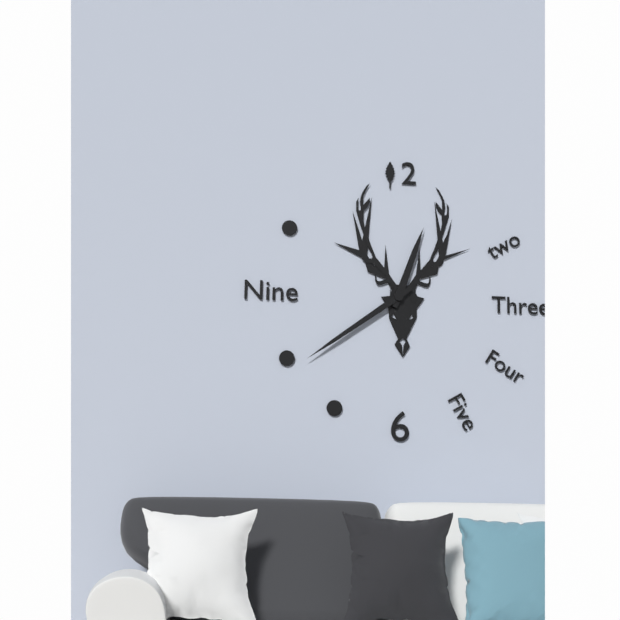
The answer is **12:39**
